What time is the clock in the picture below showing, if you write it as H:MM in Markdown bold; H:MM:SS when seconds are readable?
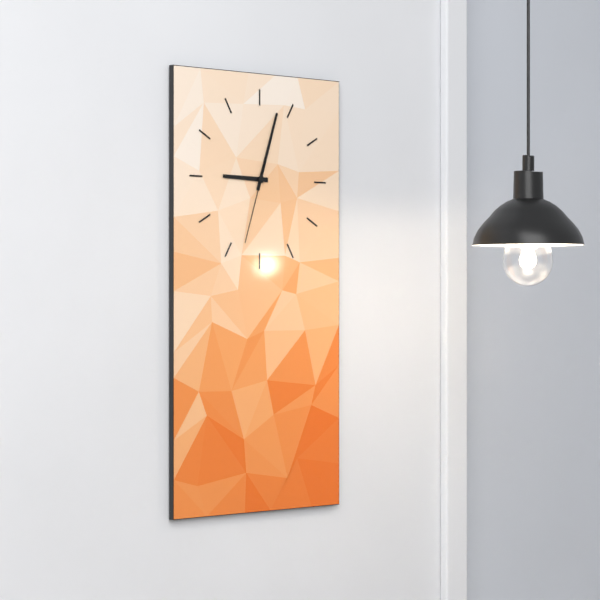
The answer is **9:03:33**
